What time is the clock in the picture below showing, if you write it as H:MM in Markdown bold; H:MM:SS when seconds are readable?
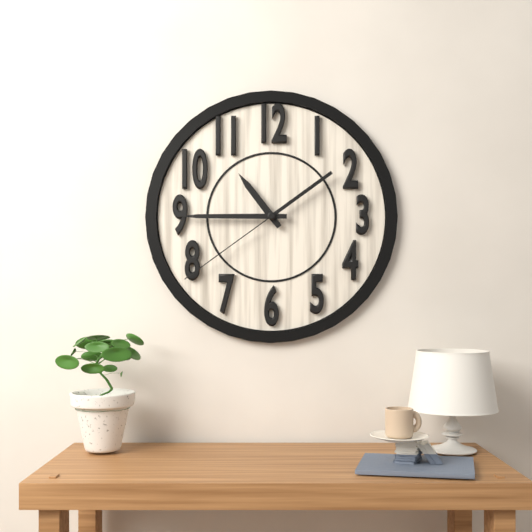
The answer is **10:45:39**
